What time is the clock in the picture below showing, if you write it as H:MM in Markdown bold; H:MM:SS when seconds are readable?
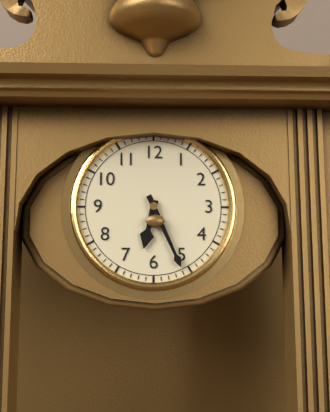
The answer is **6:26**
